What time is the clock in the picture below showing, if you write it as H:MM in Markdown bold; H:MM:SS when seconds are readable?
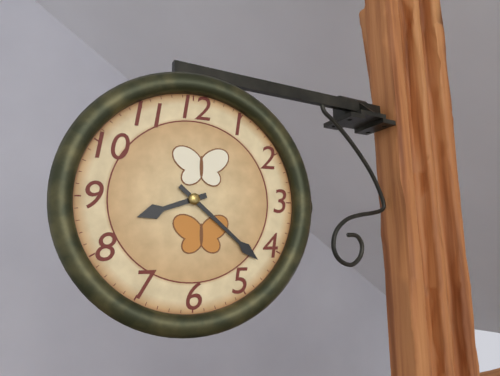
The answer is **8:22**
